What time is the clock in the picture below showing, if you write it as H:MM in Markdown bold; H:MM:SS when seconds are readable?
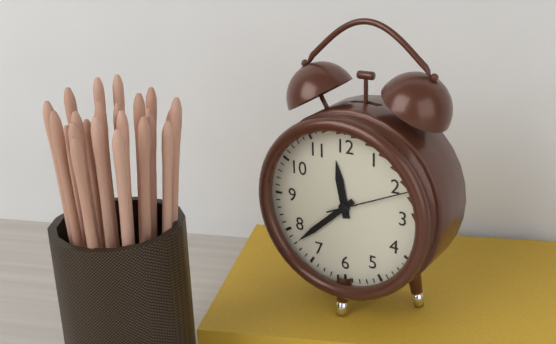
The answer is **11:38:11**
